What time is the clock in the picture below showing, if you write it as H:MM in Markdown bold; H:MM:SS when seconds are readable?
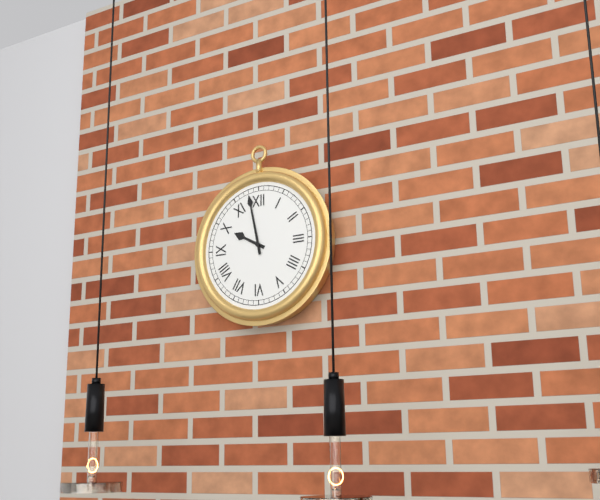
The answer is **9:58**
